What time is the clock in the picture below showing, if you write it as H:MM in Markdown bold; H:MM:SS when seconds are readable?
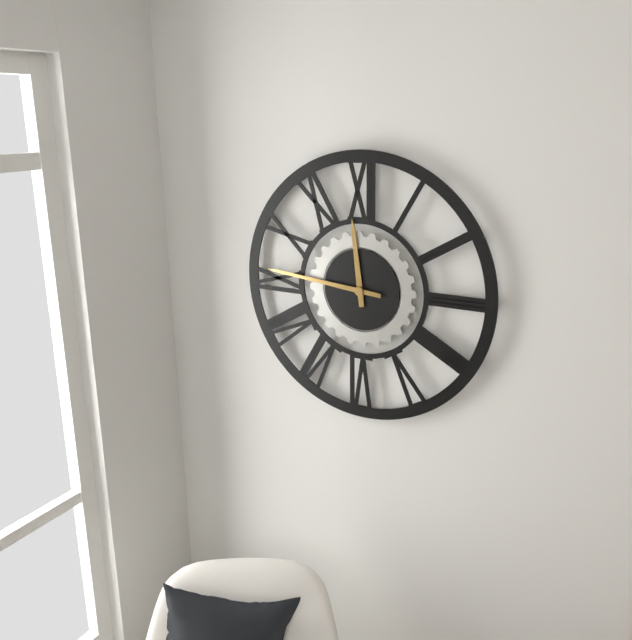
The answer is **11:46**
